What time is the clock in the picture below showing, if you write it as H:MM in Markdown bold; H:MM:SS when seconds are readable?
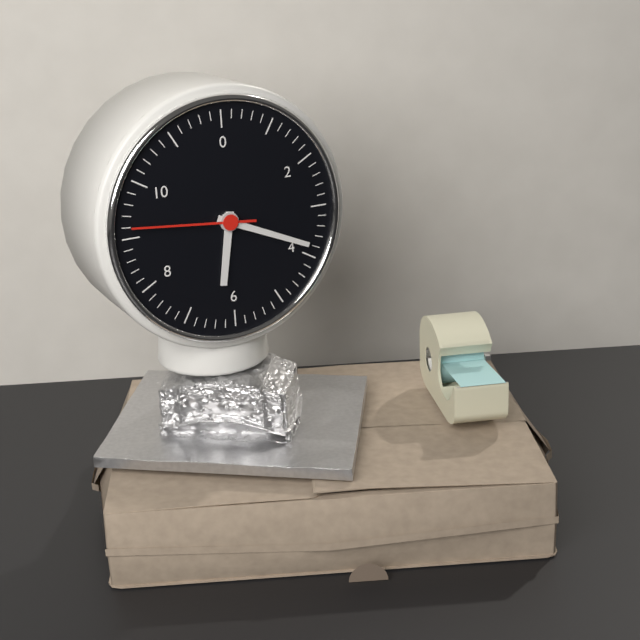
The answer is **6:19:46**
